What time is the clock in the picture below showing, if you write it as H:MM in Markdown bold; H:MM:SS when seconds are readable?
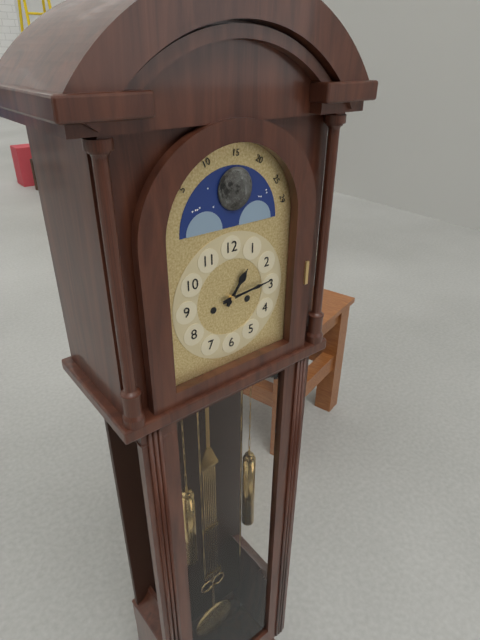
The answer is **1:14**
